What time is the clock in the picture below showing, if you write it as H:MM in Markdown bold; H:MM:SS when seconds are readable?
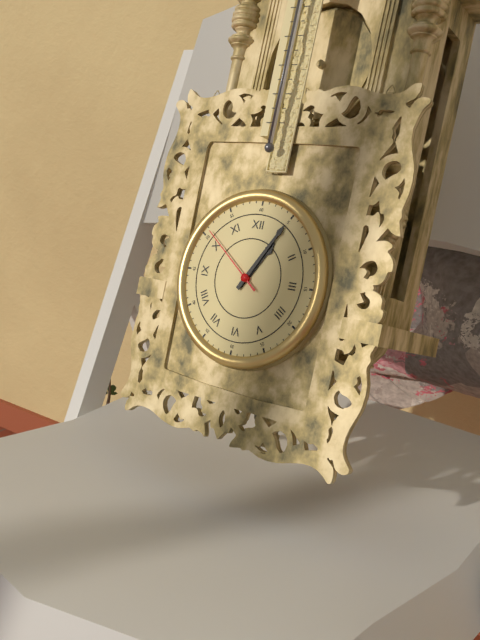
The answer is **1:05:51**
